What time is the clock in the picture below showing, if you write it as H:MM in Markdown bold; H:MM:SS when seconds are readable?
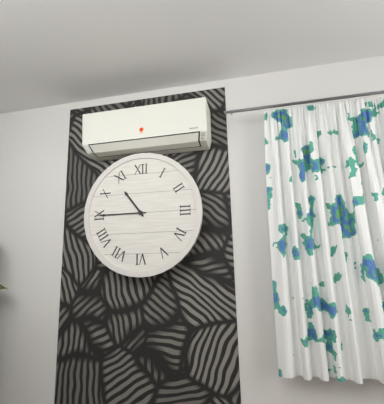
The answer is **10:45**
